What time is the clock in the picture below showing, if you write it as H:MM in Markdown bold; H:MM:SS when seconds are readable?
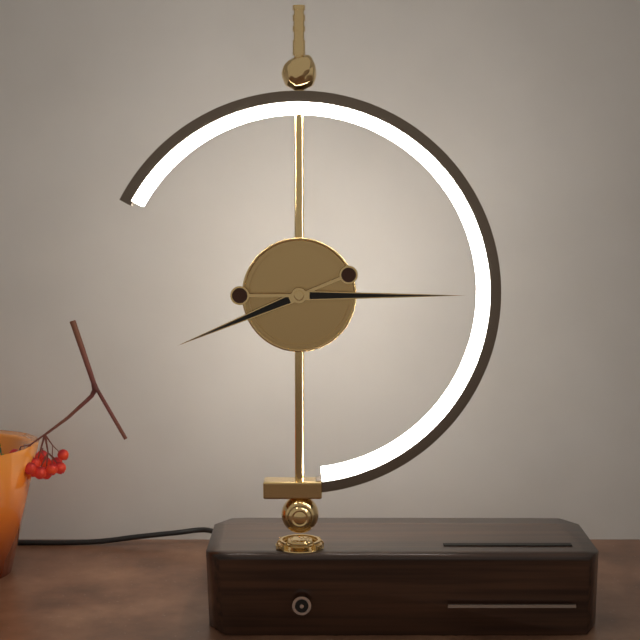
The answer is **8:15**
